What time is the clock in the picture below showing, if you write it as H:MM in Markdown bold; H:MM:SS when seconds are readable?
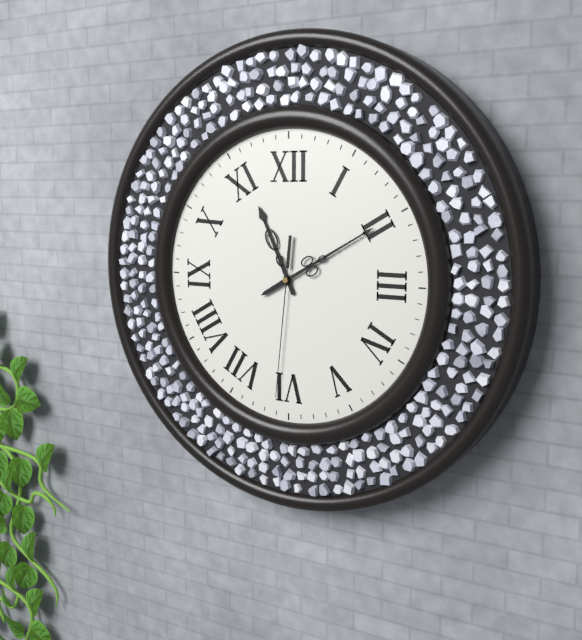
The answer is **11:10:31**
